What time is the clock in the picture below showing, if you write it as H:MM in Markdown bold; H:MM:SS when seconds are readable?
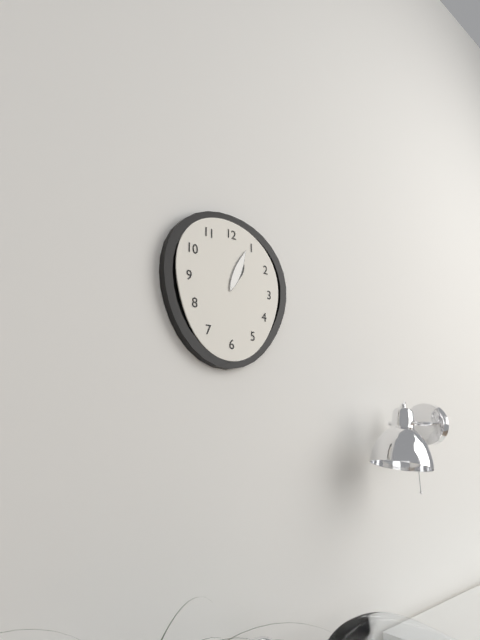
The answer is **1:04**
